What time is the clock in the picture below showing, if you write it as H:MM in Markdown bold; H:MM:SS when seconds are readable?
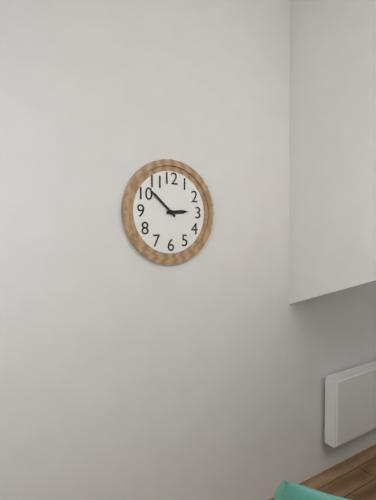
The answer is **2:52**
